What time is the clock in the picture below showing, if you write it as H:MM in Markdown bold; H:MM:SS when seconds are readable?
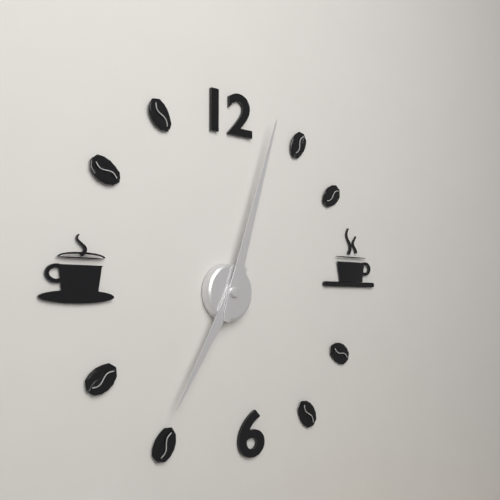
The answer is **7:03**
